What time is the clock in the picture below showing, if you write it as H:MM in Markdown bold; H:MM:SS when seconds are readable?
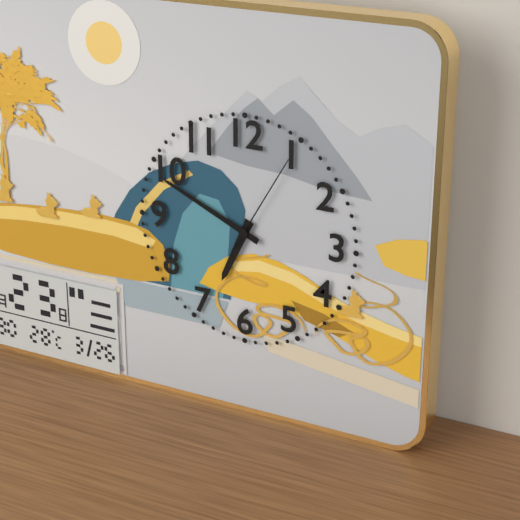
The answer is **6:49:05**
